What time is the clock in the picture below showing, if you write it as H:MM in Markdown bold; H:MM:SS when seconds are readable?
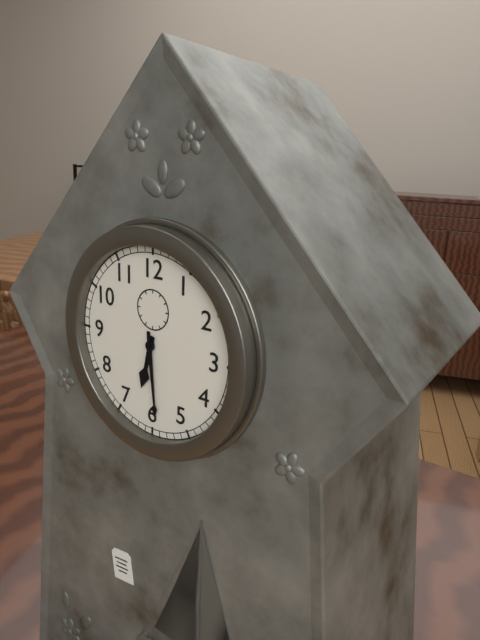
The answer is **6:29**
